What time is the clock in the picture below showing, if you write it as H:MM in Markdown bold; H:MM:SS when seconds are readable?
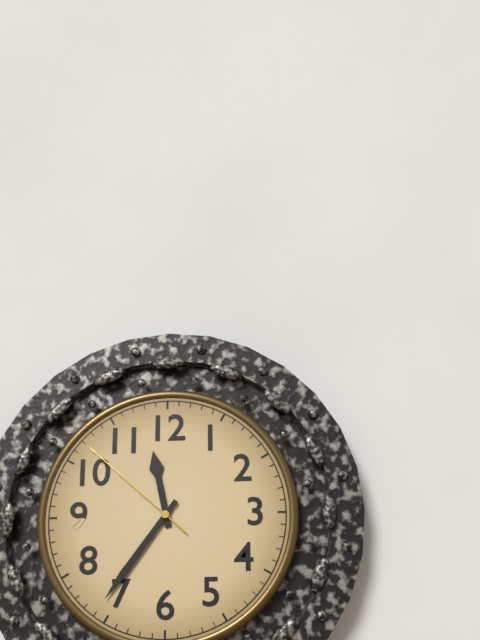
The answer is **11:36:52**
